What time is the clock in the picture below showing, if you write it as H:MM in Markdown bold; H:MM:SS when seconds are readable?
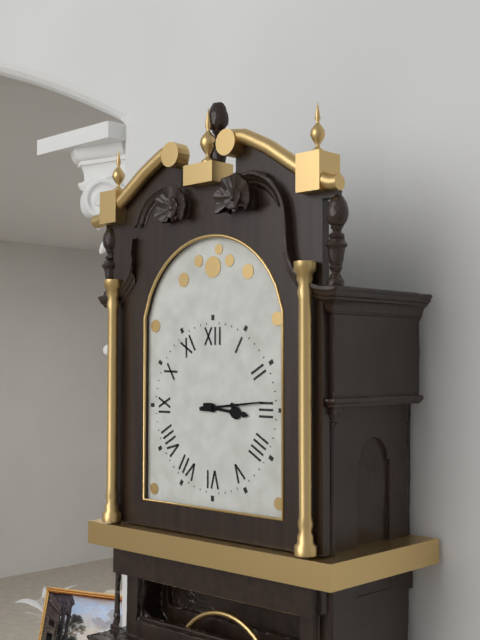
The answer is **3:14**
